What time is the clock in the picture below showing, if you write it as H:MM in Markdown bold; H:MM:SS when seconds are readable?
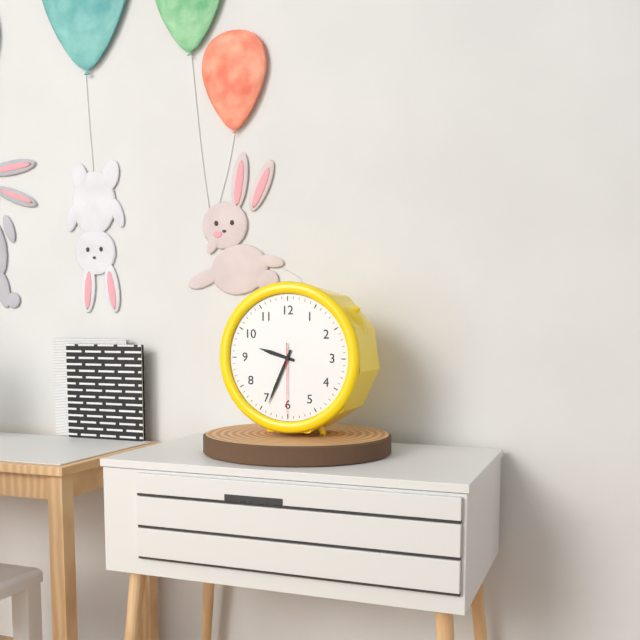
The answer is **9:34:30**
